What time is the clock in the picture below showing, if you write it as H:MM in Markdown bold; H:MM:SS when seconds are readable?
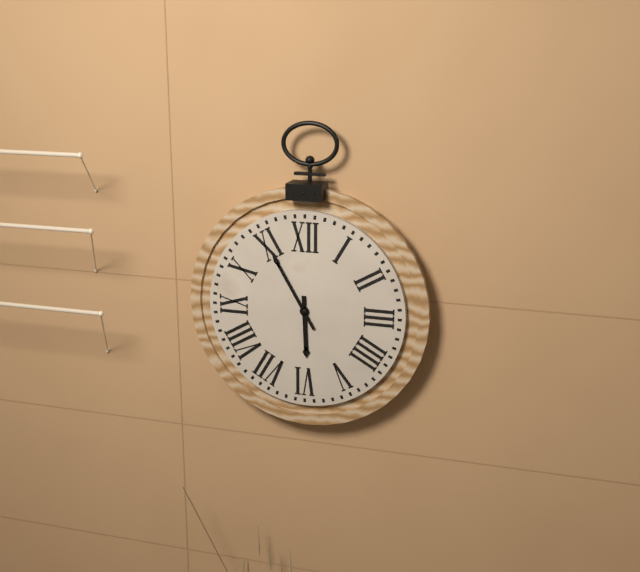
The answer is **5:55**
